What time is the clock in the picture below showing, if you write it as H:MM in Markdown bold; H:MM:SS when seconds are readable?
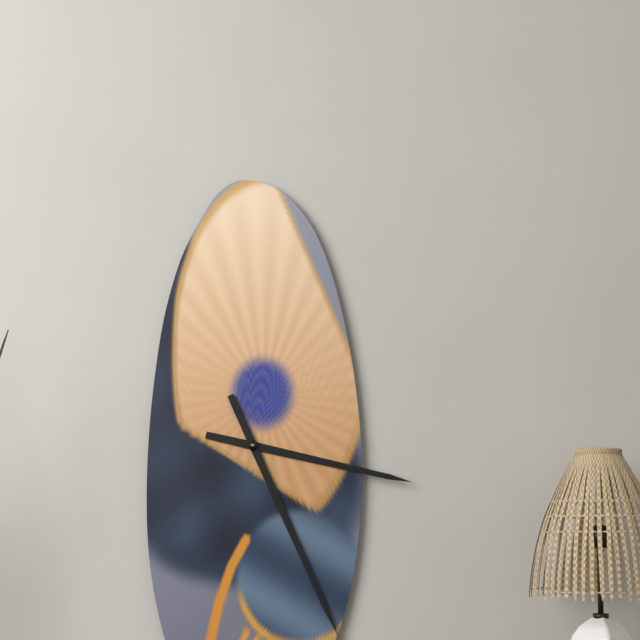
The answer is **3:26**
